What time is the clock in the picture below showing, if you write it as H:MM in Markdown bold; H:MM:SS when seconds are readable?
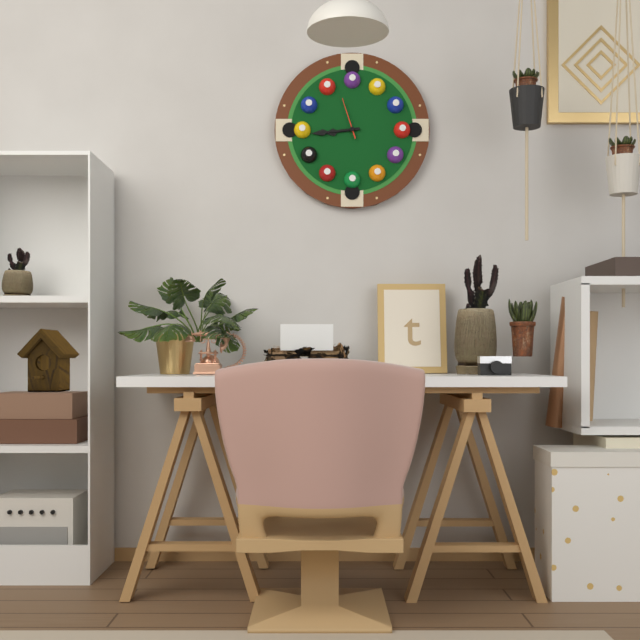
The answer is **8:44**
